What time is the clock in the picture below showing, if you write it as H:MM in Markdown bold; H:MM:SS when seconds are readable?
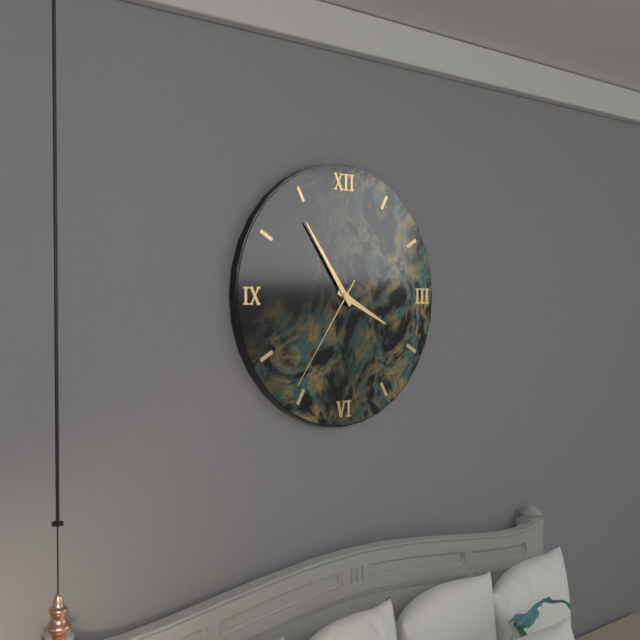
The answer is **3:54:36**
